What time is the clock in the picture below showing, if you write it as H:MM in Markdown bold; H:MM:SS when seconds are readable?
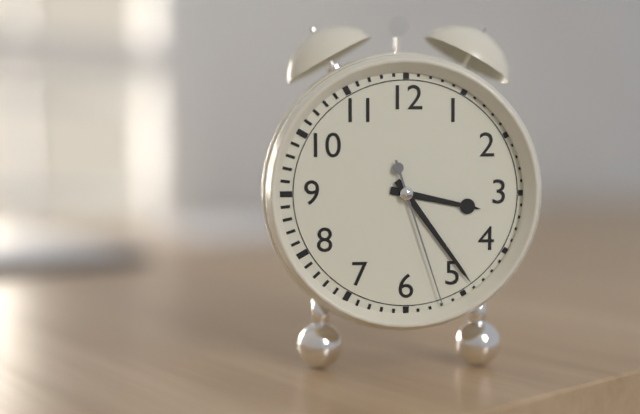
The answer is **3:24:27**
